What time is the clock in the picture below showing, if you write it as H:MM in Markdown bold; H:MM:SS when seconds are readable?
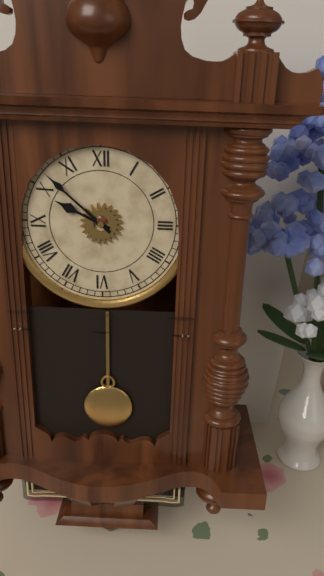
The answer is **9:52**
